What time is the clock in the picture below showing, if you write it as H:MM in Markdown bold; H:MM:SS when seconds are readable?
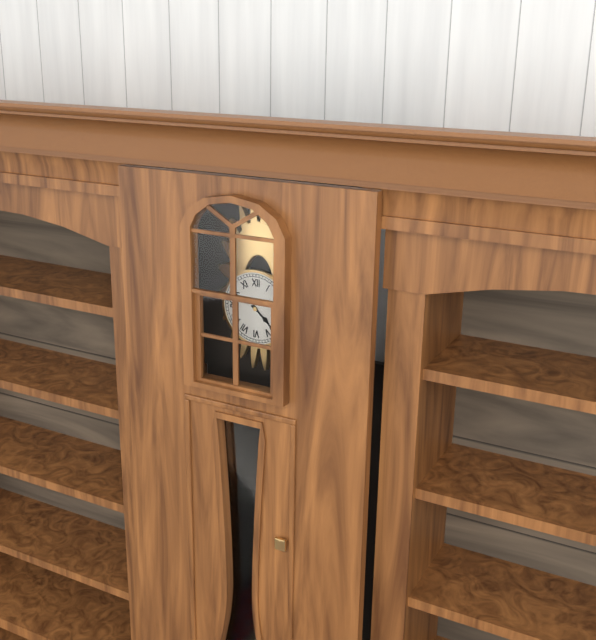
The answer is **4:22**
